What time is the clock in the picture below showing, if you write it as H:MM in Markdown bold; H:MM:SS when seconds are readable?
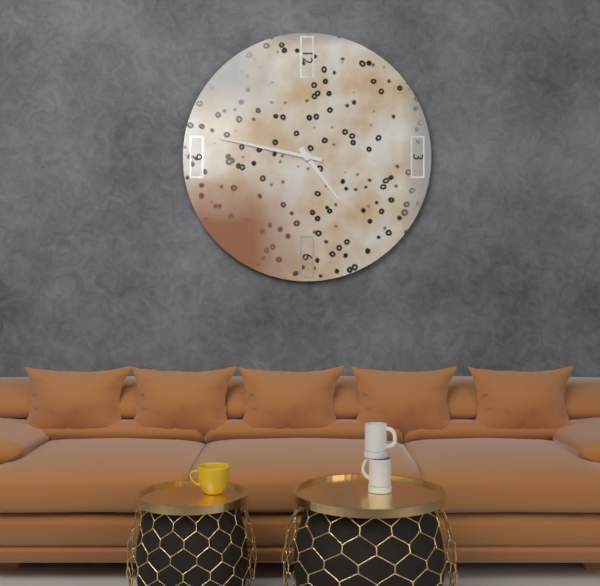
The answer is **4:47**
